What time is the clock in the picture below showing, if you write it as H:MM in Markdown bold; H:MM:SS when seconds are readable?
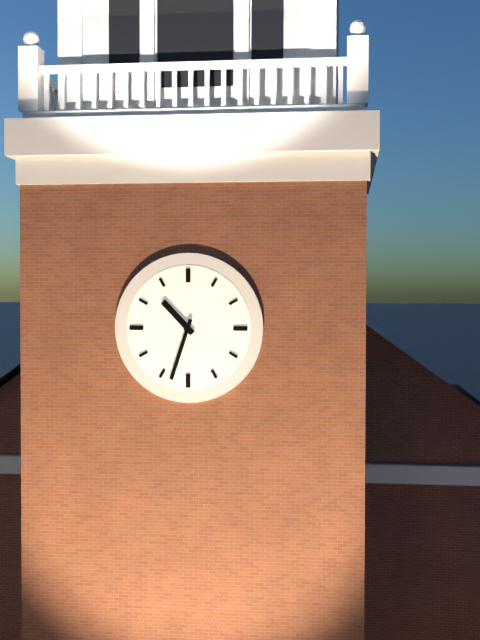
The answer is **10:33**
